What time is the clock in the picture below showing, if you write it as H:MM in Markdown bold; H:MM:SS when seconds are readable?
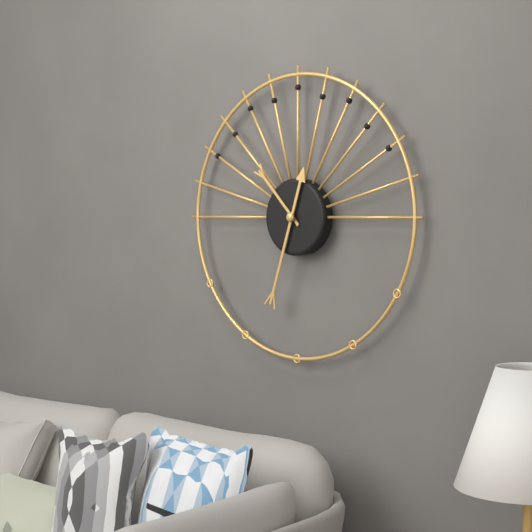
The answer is **10:33**
